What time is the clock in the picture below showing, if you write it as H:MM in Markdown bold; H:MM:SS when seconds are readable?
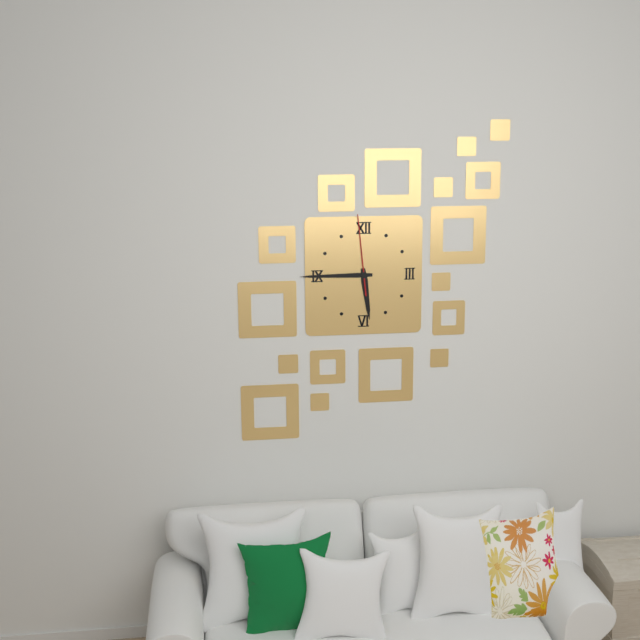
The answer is **5:45:59**
